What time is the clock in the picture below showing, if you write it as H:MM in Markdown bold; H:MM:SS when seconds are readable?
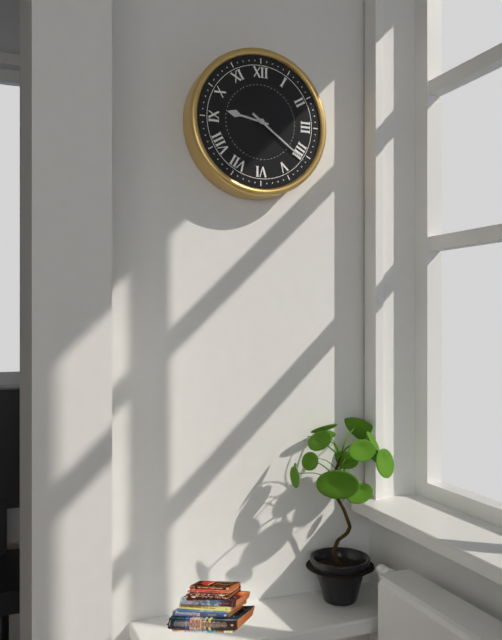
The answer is **9:21**
